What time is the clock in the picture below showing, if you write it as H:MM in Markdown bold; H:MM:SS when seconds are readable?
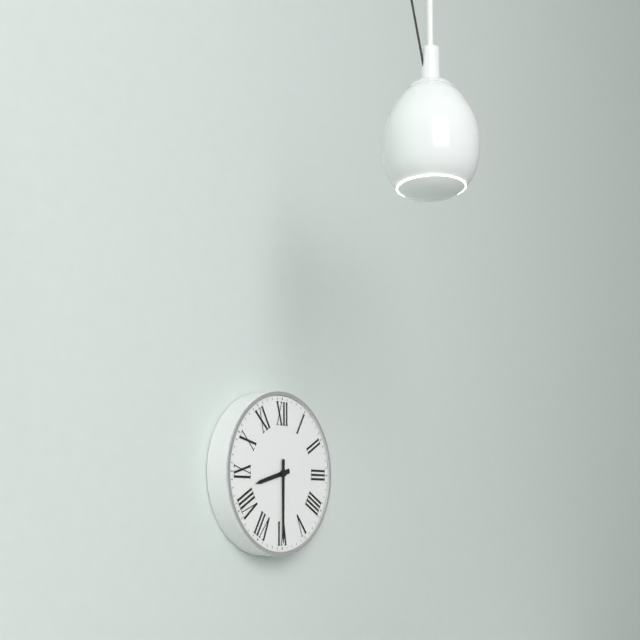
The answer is **8:30**
